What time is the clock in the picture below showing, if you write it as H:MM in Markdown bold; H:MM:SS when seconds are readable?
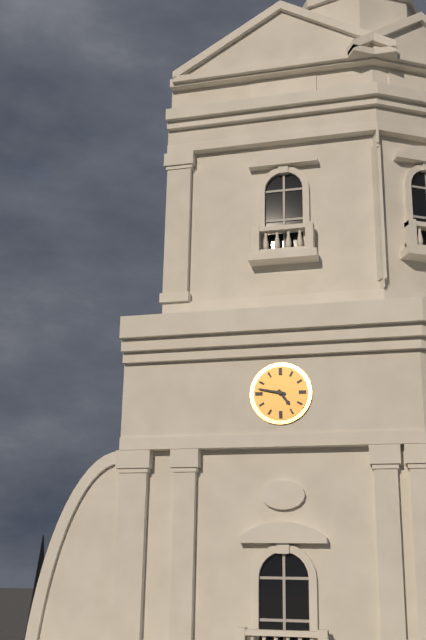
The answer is **4:47**
